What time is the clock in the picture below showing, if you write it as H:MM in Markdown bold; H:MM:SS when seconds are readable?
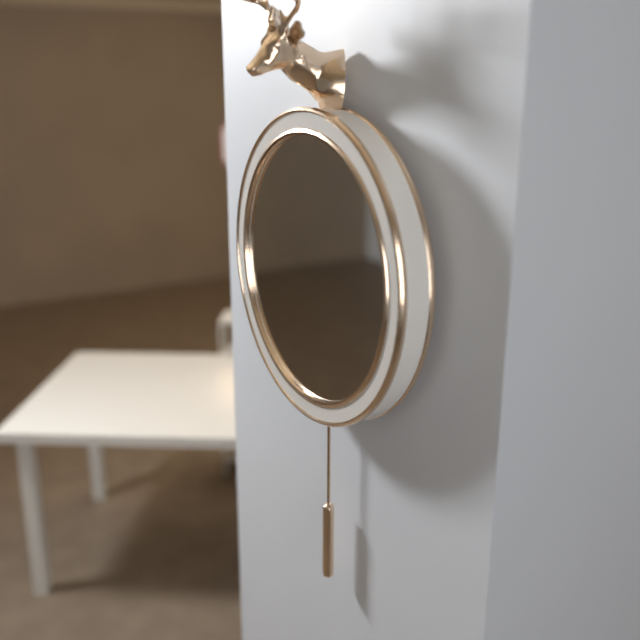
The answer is **6:30**
